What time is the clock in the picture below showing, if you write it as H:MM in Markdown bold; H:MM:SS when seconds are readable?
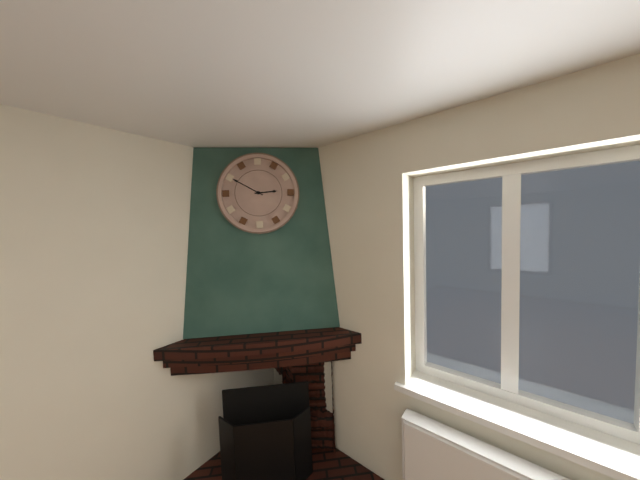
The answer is **2:50**
